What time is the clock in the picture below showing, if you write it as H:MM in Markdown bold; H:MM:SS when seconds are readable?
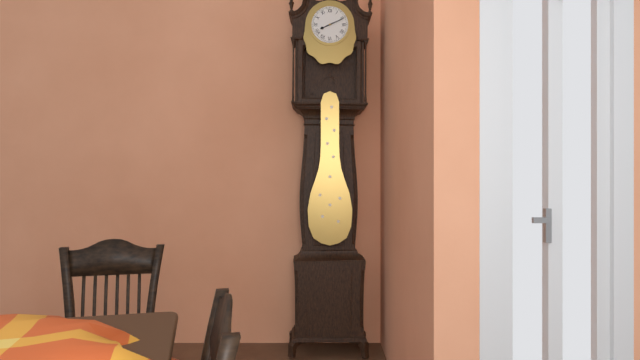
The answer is **8:11**
